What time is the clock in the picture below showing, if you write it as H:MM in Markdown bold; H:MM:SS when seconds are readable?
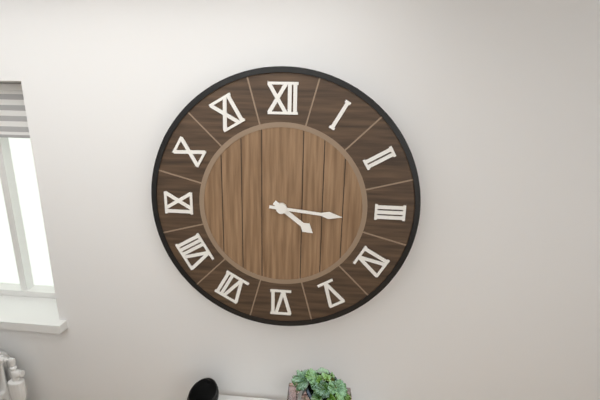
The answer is **4:16**
